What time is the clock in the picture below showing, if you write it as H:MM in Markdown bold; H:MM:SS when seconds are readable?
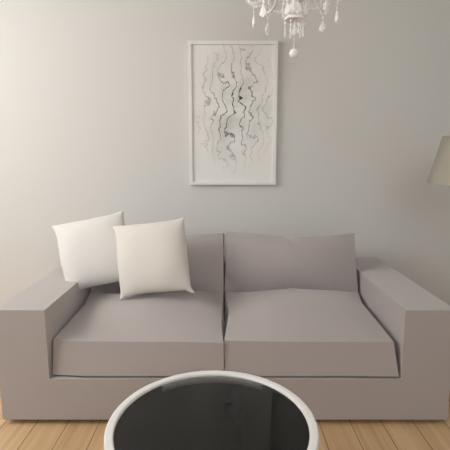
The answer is **1:15**
